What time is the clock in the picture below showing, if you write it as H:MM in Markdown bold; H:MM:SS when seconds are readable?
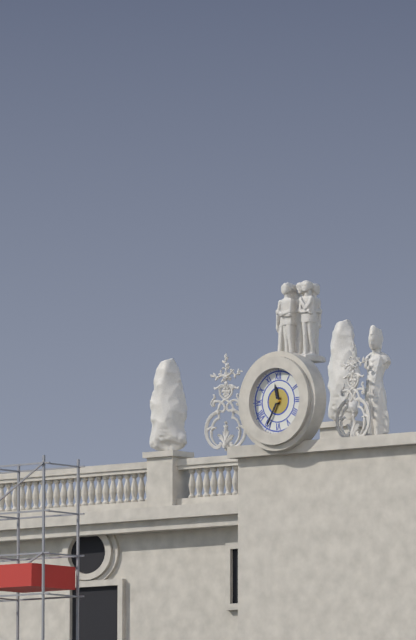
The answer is **11:35**
